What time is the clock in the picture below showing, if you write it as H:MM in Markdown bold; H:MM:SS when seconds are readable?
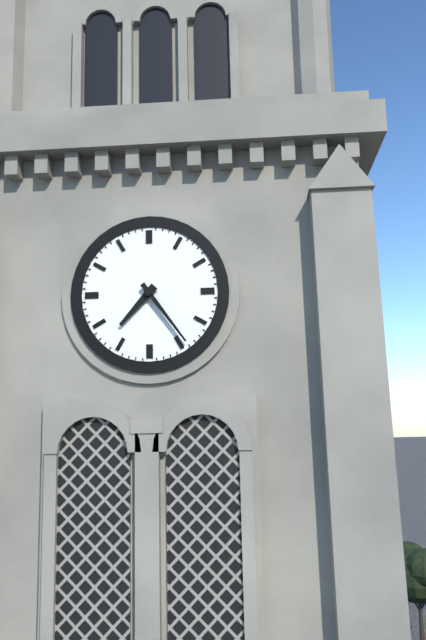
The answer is **7:24**
